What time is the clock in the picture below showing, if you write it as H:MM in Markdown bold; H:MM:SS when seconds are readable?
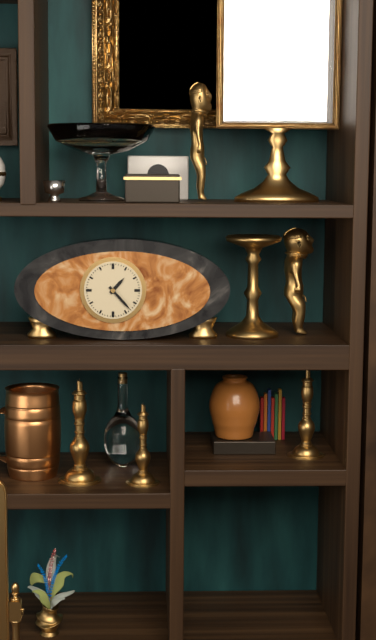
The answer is **1:23**
